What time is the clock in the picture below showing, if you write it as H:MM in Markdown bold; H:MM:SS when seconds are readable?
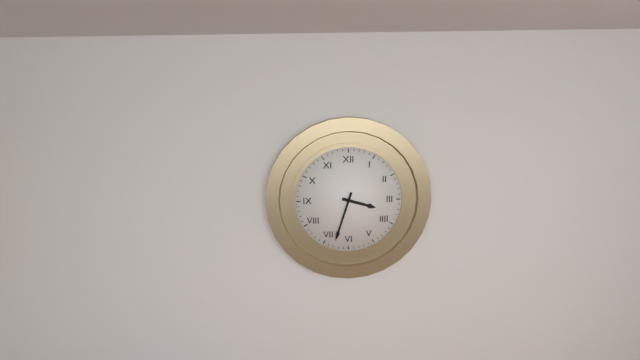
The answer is **3:33**
